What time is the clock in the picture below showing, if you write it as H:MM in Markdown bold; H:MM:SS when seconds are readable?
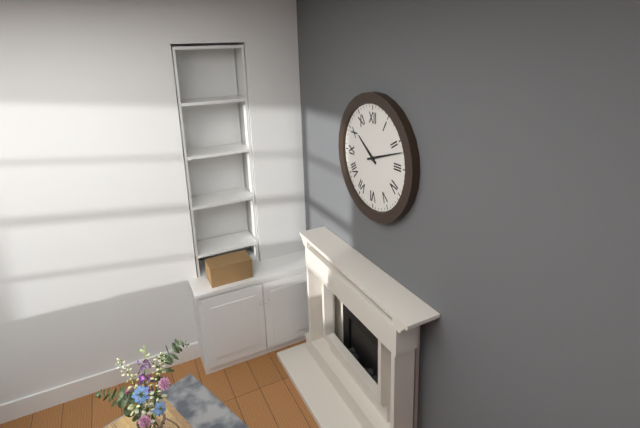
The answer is **10:12**
